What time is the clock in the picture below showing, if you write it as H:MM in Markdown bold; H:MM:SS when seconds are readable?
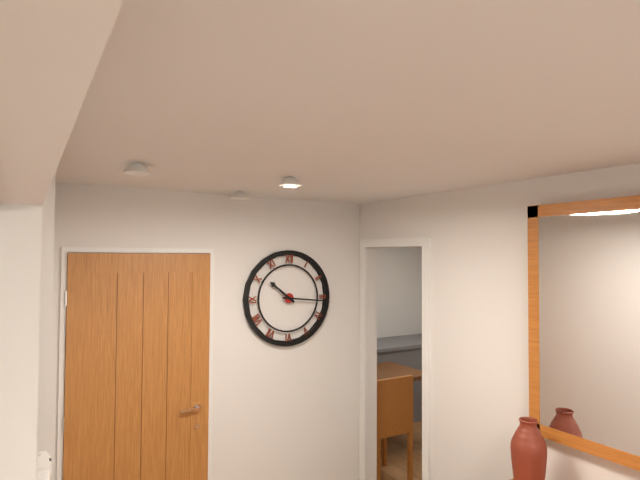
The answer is **10:16**
